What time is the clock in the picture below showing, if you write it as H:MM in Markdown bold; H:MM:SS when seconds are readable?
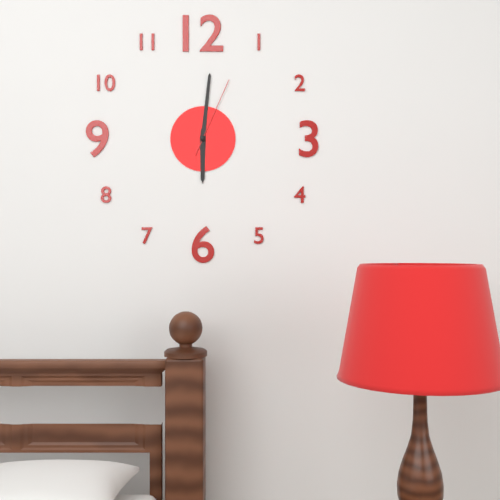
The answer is **6:01:04**
